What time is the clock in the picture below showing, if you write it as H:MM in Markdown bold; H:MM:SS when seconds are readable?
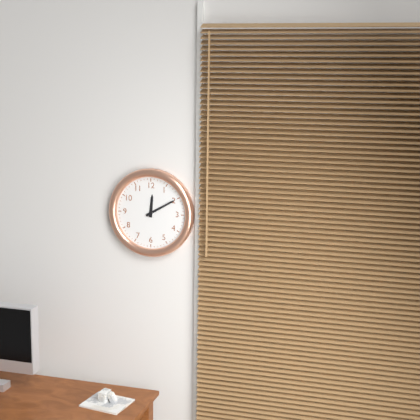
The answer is **12:10**
